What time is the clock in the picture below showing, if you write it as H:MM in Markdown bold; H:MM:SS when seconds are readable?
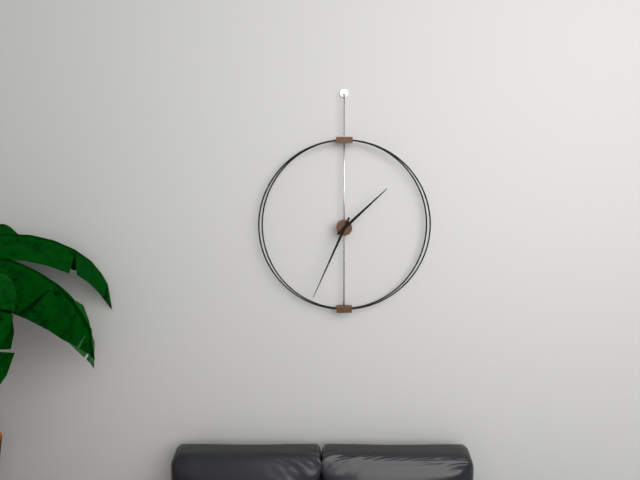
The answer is **1:34**
